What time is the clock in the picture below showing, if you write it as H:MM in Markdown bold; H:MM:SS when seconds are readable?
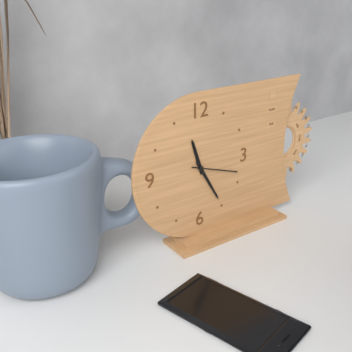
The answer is **11:25**
